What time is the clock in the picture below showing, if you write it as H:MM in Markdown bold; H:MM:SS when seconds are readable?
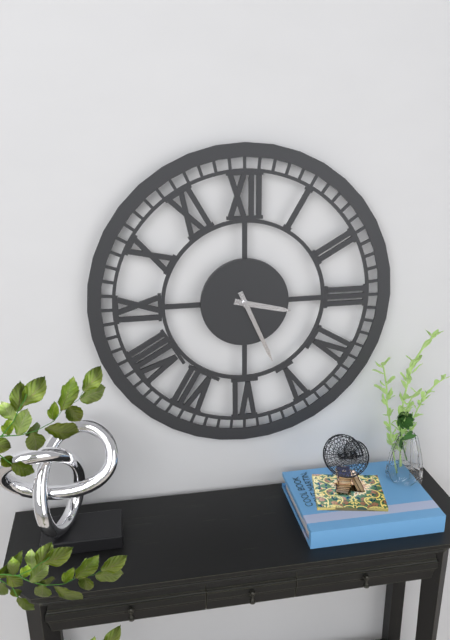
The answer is **3:26**
